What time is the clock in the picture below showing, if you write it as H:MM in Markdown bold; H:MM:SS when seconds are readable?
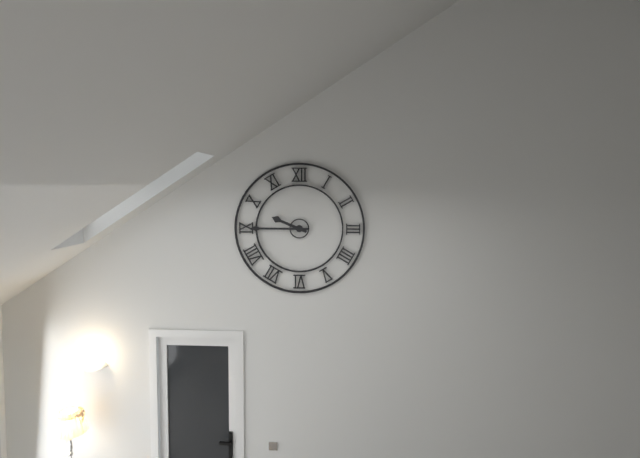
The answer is **9:45**
